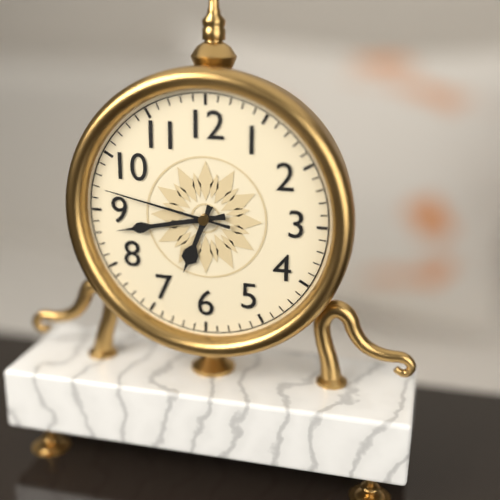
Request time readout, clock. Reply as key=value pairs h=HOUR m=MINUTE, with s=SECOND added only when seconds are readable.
h=6 m=43 s=47
